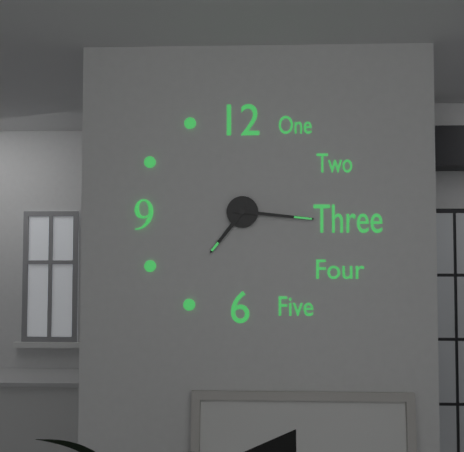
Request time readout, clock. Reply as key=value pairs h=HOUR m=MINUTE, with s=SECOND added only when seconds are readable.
h=7 m=16
